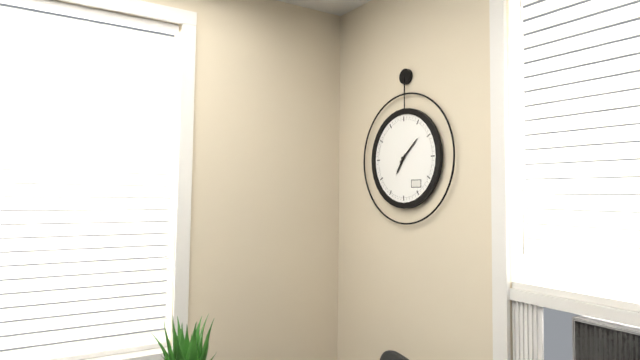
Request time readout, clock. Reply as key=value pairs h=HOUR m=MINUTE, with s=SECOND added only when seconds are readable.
h=7 m=8
